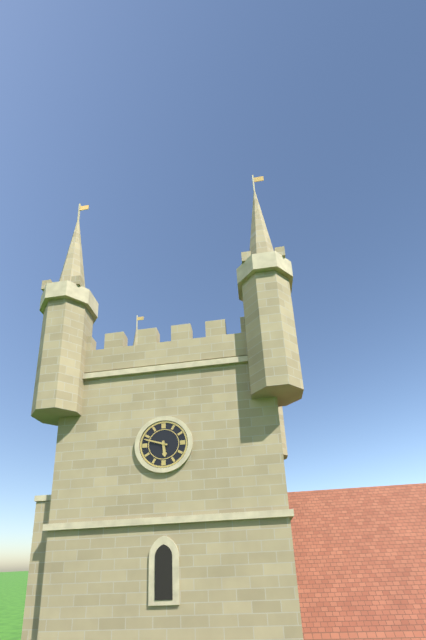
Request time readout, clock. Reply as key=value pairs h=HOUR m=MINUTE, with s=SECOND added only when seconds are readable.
h=5 m=48
